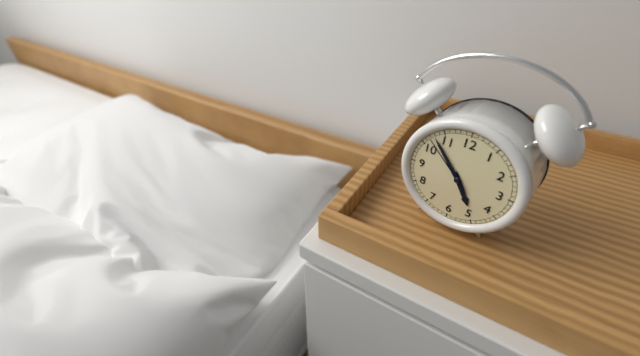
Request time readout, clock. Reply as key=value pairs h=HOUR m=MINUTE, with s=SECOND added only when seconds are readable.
h=4 m=53 s=52
